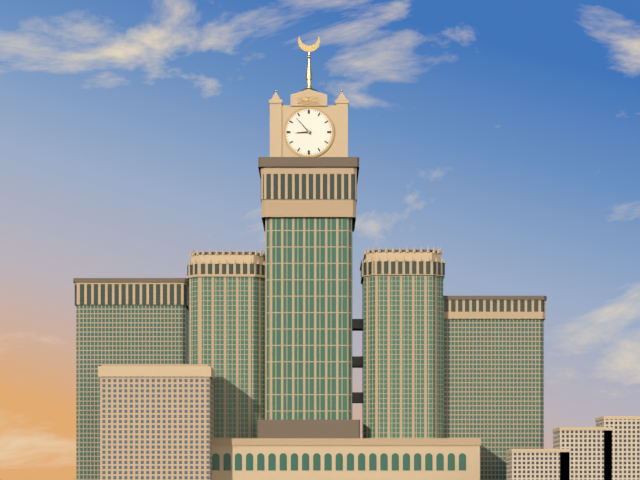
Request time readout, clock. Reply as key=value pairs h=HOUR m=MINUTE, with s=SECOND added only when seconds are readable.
h=8 m=53
